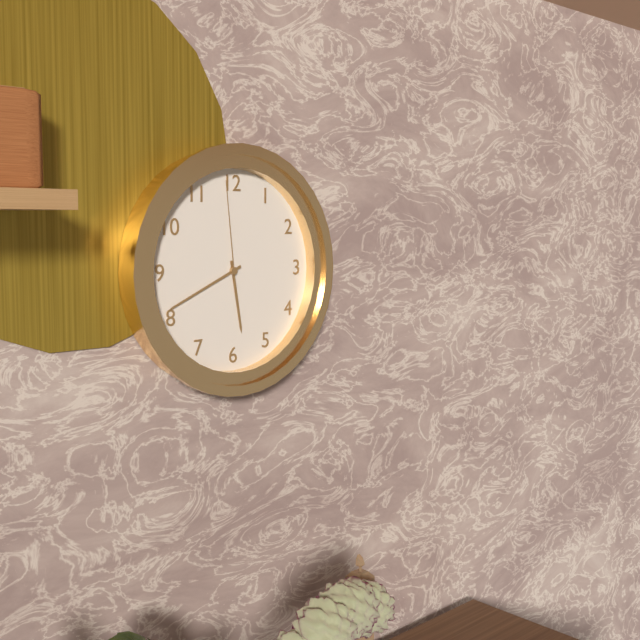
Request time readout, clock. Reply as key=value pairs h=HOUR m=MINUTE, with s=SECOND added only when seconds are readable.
h=5 m=41 s=59
